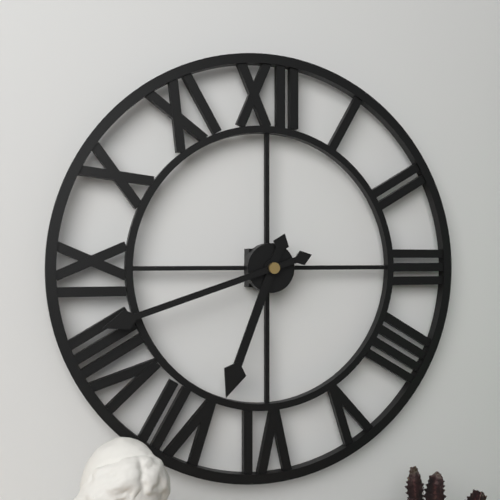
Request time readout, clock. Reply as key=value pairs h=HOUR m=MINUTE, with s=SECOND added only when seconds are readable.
h=6 m=42
